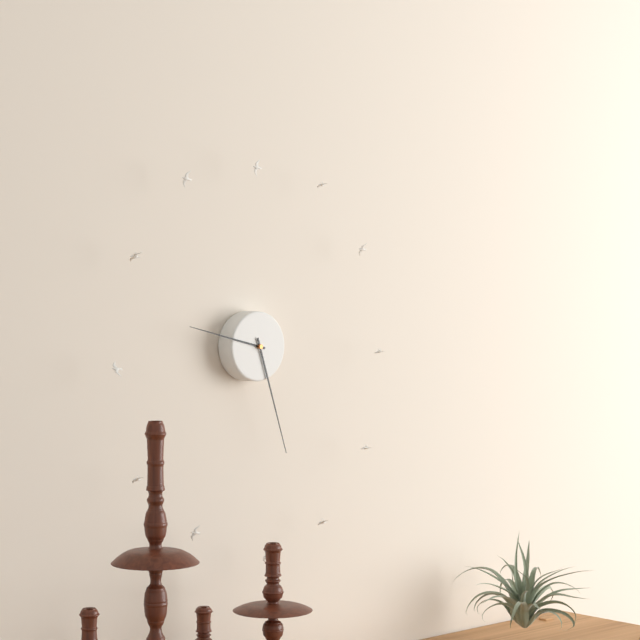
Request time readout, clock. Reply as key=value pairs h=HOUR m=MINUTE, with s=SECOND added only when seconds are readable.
h=9 m=27
